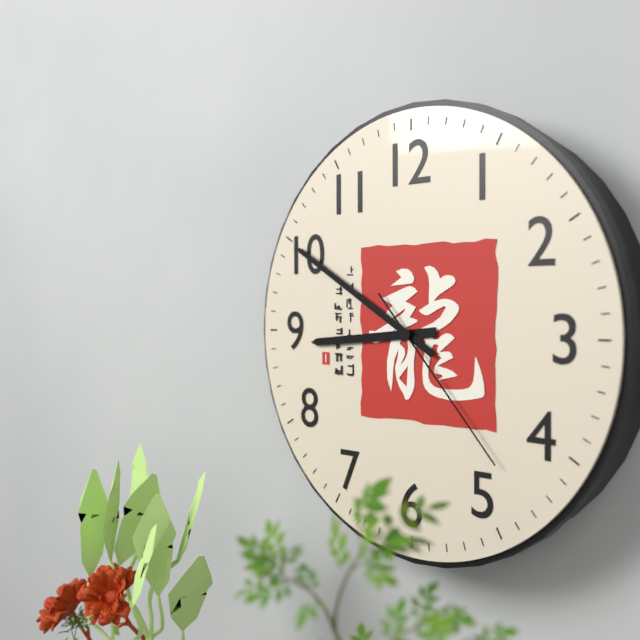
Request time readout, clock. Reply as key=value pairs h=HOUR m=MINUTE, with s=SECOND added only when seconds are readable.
h=8 m=50 s=23
